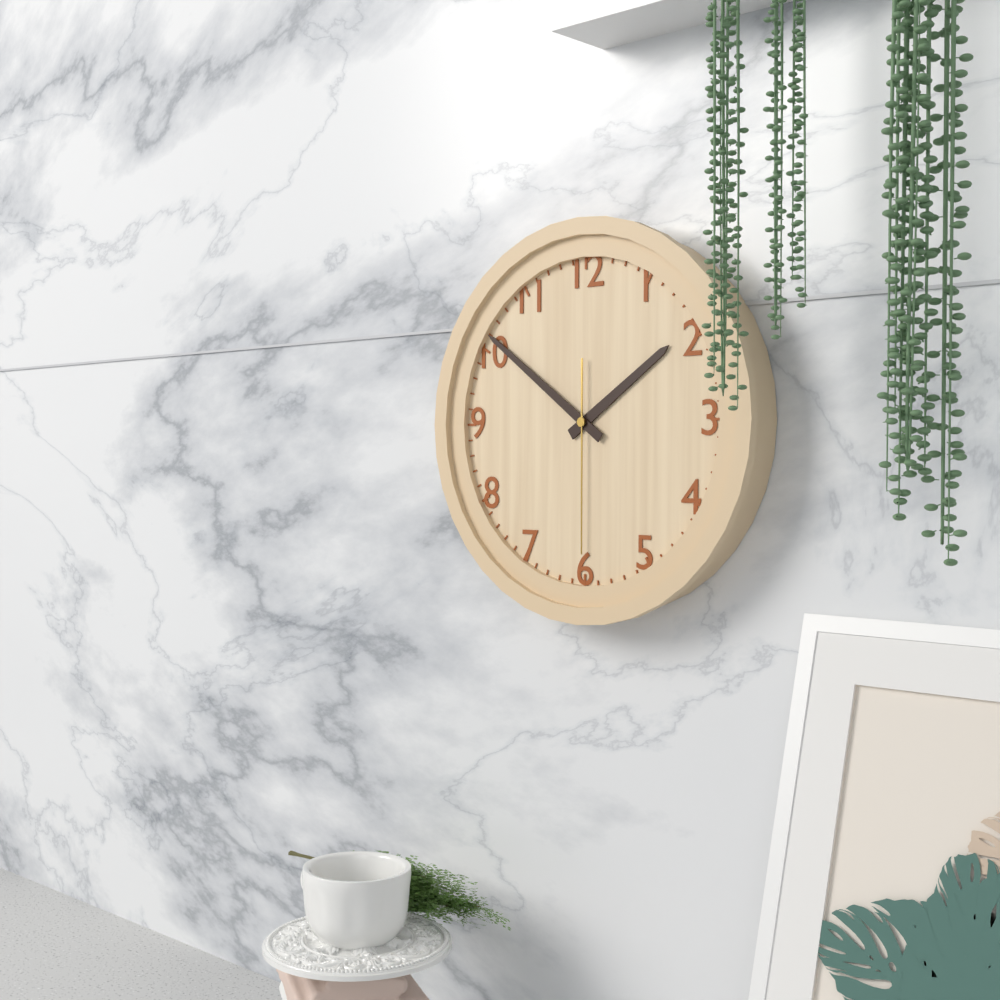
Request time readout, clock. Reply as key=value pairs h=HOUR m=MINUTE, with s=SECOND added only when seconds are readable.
h=1 m=51 s=30
